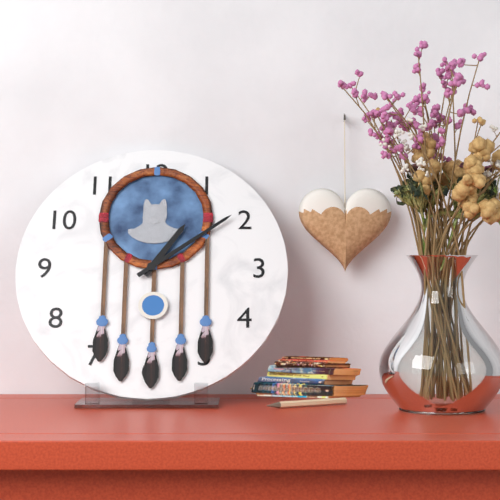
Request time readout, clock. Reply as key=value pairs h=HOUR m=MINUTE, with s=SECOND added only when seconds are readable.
h=1 m=9
